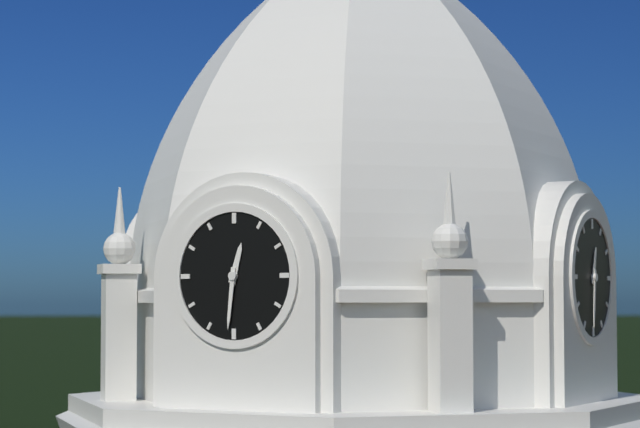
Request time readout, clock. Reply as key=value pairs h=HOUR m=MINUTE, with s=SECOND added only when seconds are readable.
h=12 m=31
